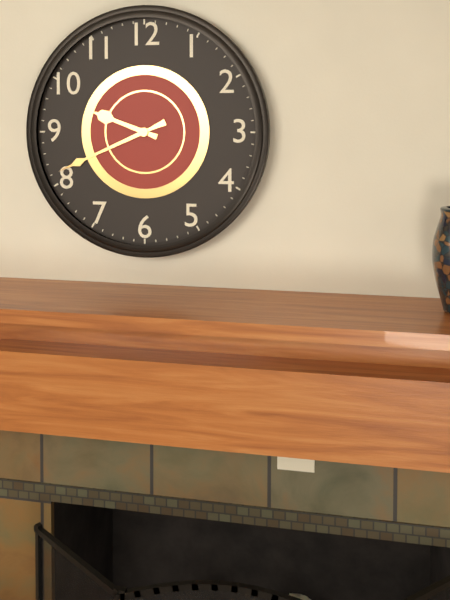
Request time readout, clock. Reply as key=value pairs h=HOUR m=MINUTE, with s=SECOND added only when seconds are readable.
h=9 m=41
